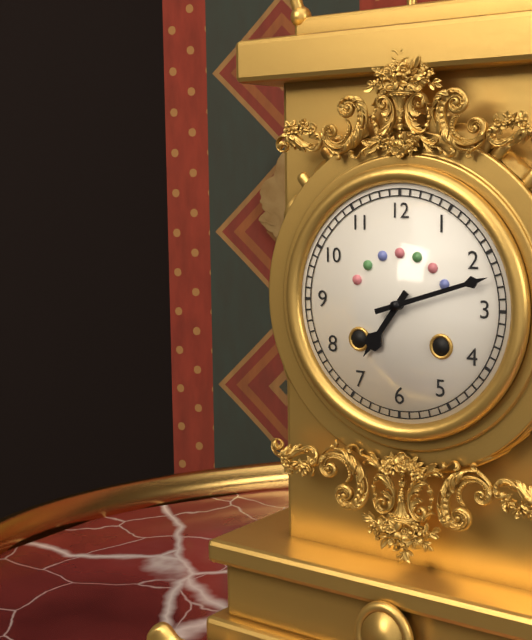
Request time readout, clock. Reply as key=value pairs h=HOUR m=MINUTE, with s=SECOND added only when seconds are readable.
h=7 m=12
